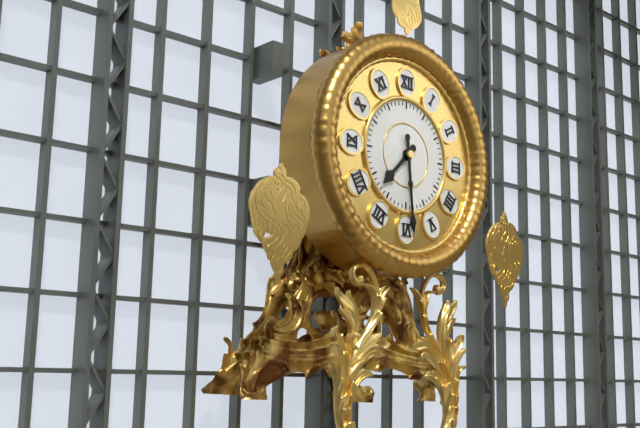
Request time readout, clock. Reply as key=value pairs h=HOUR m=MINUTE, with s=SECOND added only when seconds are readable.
h=7 m=29
